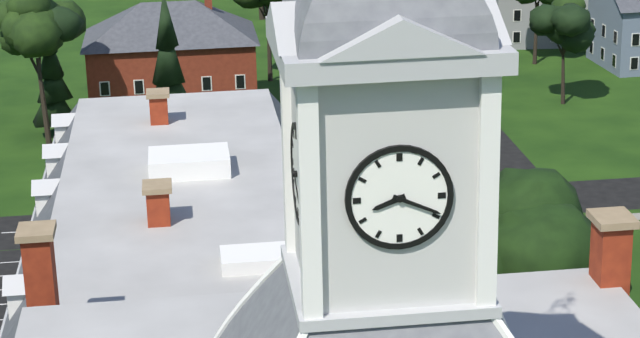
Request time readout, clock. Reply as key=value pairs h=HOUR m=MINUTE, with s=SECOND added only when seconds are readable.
h=8 m=19
